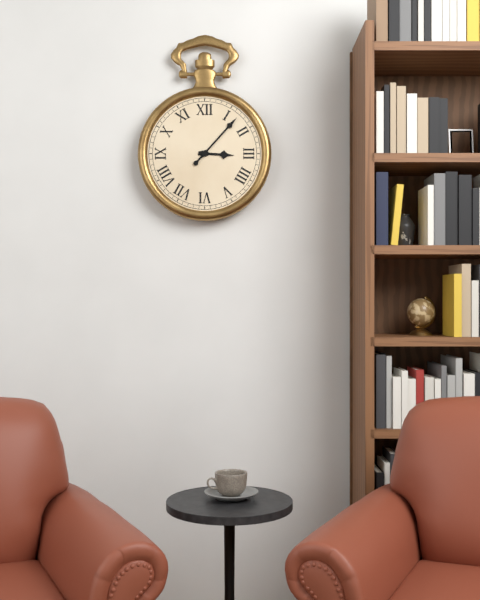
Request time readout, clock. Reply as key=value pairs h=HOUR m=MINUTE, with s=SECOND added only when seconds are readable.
h=3 m=7
